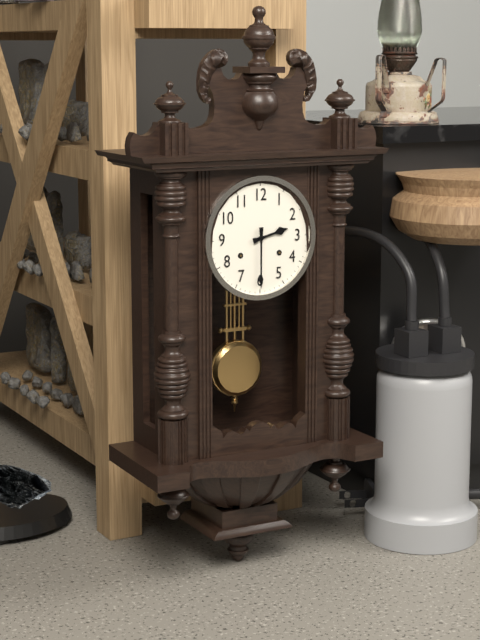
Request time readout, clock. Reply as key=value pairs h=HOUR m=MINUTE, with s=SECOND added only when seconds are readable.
h=2 m=30
